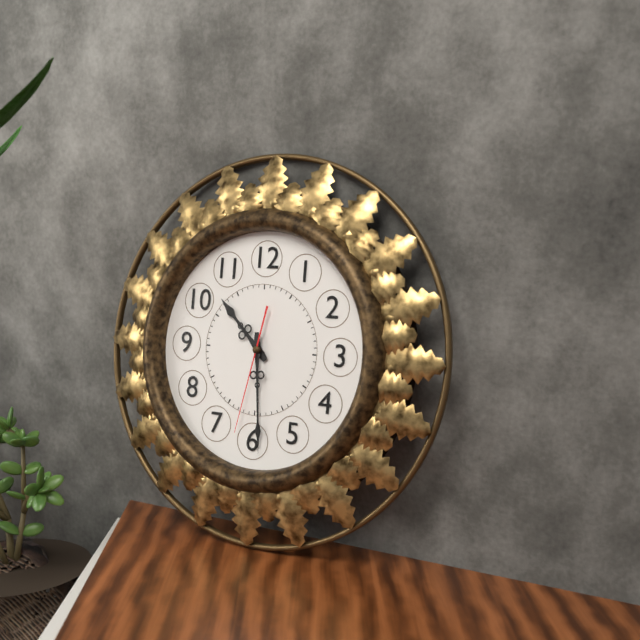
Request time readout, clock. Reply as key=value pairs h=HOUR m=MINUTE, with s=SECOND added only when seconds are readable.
h=10 m=29 s=32
